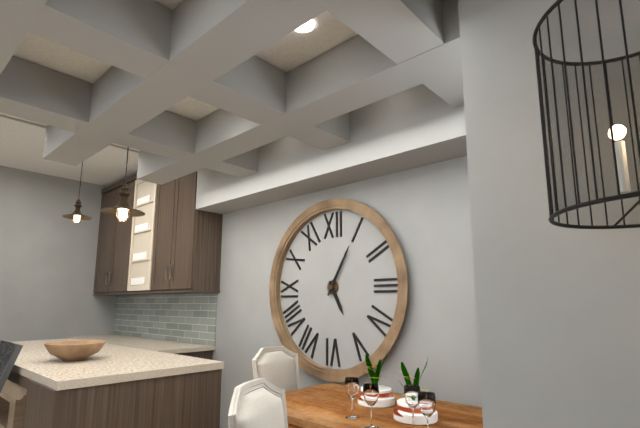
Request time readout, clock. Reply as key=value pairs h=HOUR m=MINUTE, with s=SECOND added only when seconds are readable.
h=5 m=5
